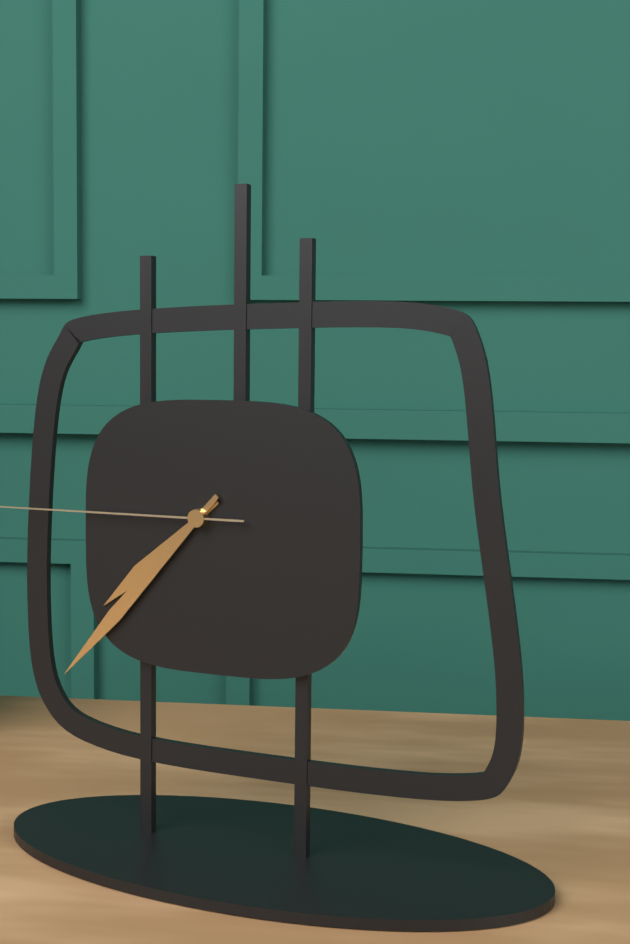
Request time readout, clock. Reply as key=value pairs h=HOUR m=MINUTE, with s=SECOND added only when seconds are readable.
h=7 m=37
